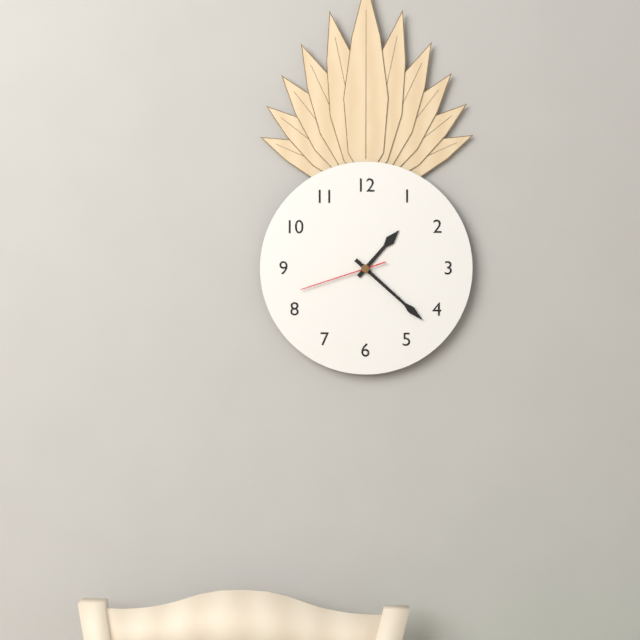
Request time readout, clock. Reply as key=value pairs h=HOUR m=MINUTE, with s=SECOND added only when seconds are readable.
h=1 m=22 s=42
